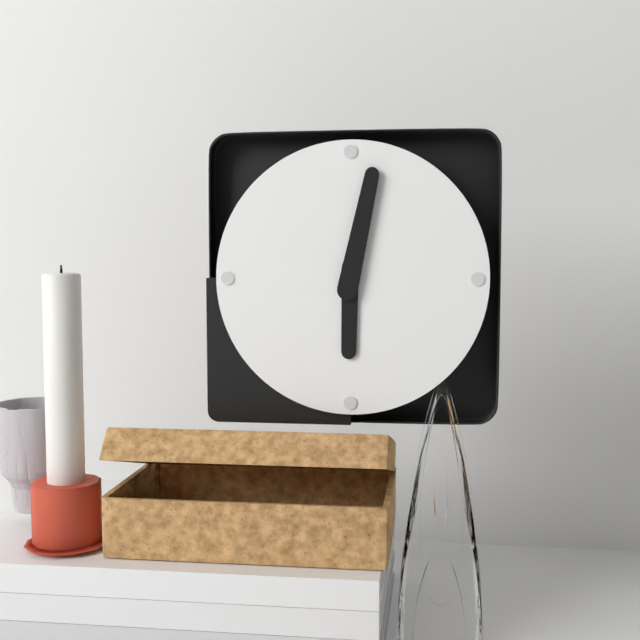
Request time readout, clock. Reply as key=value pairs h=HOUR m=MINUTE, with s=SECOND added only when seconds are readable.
h=6 m=2
